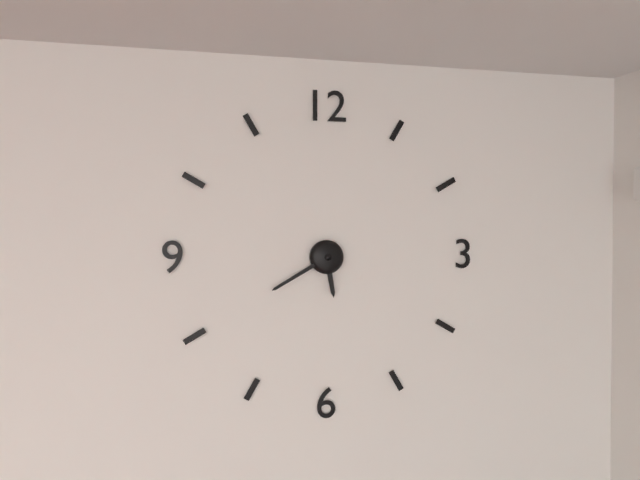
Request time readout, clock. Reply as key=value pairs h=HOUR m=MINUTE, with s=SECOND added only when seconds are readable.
h=5 m=40
